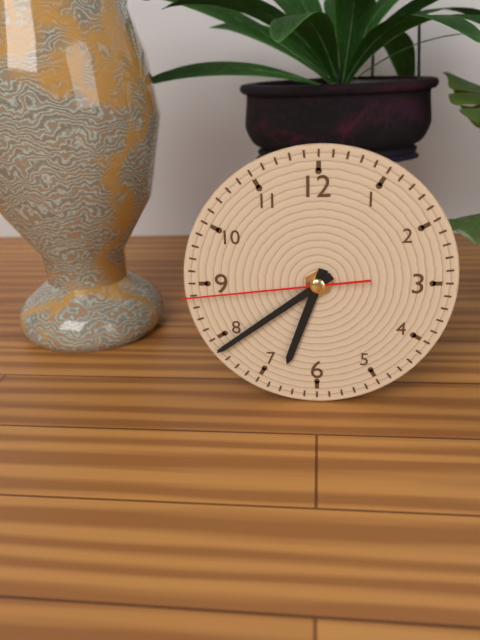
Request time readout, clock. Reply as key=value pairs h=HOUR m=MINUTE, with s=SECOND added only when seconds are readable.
h=6 m=39 s=44
